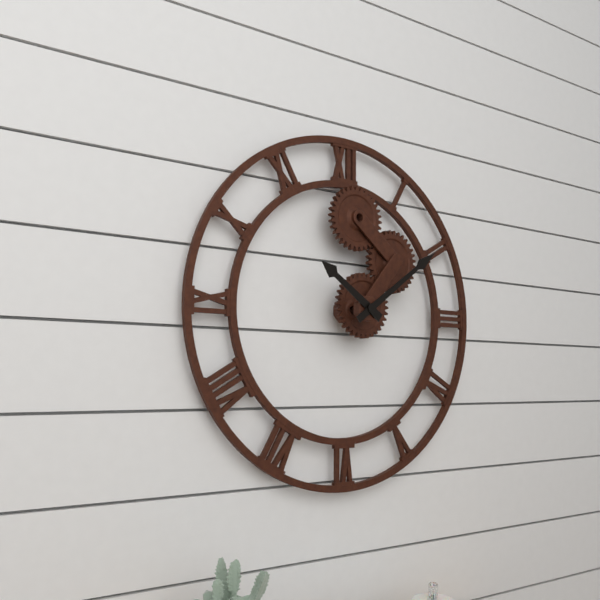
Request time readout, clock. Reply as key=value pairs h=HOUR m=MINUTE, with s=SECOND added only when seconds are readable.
h=10 m=9
